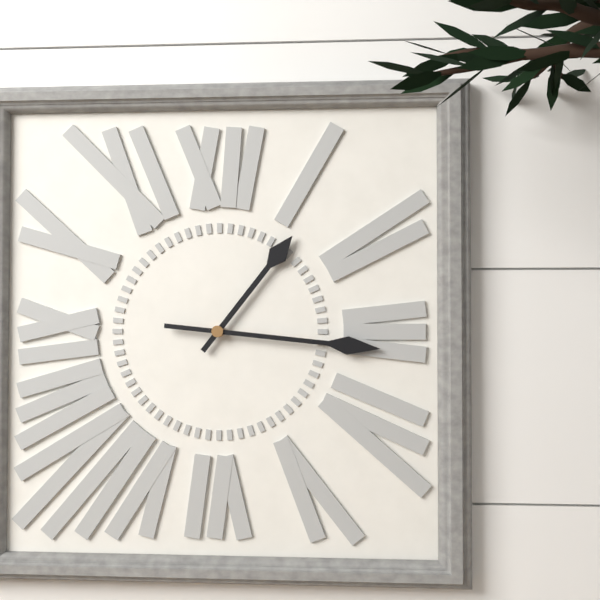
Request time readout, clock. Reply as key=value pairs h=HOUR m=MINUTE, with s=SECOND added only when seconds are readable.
h=1 m=16
